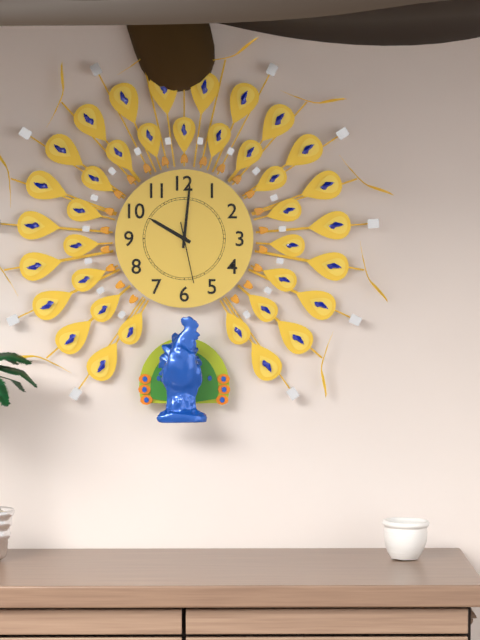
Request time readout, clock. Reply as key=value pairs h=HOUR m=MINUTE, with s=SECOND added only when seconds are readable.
h=10 m=1 s=28
